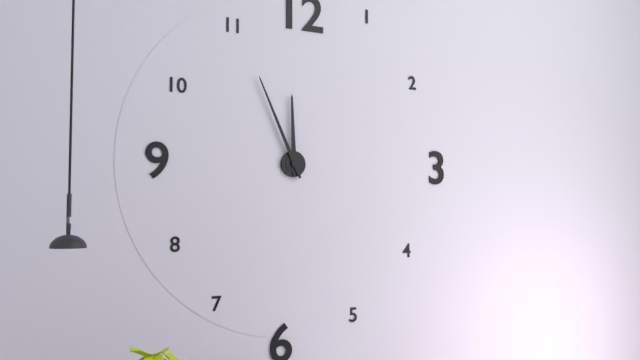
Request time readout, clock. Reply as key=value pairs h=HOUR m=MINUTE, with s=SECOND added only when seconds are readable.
h=11 m=56
